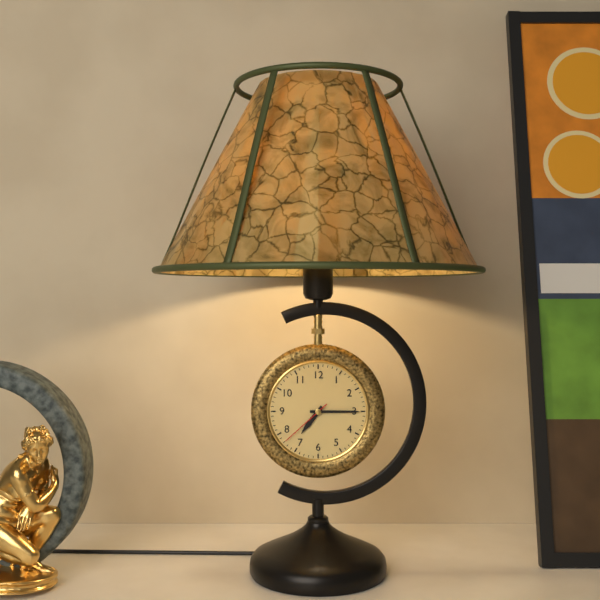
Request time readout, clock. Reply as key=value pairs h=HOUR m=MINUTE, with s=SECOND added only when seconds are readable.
h=7 m=15 s=38
